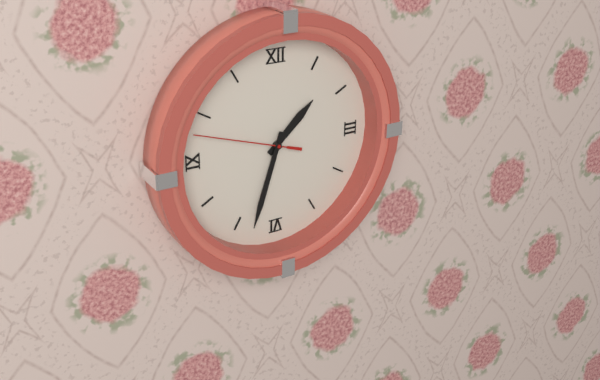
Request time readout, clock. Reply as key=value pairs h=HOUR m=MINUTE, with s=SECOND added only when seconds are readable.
h=1 m=33 s=48
